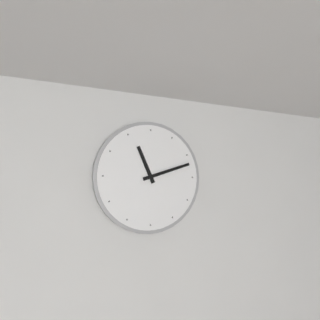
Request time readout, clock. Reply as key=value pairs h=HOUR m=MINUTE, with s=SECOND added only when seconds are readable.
h=11 m=12
